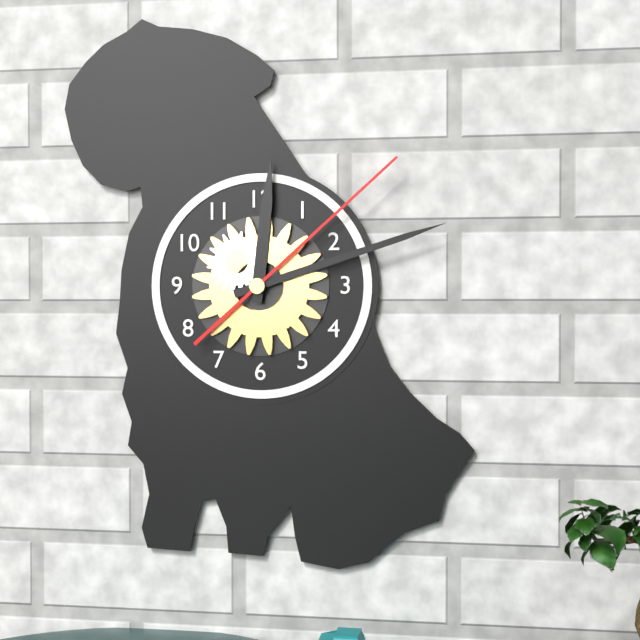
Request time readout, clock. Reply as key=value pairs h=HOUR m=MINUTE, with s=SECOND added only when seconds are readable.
h=12 m=12 s=8
